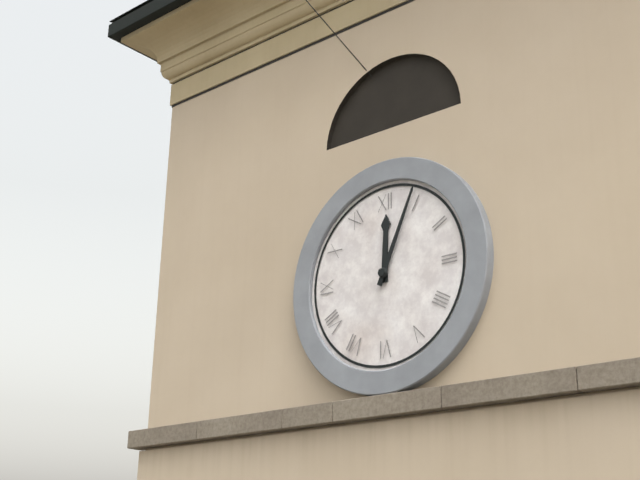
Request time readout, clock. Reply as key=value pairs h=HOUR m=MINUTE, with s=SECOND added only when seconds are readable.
h=12 m=4
